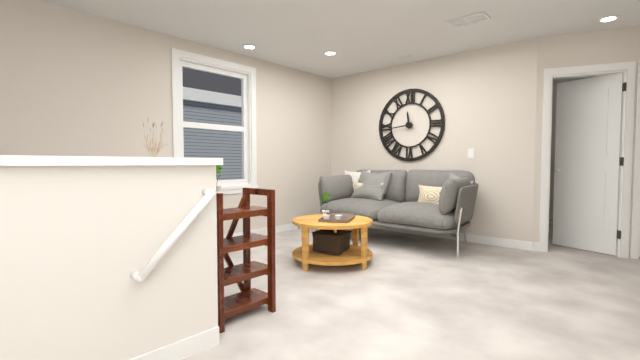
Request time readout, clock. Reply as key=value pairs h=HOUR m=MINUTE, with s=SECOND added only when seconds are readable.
h=11 m=44
